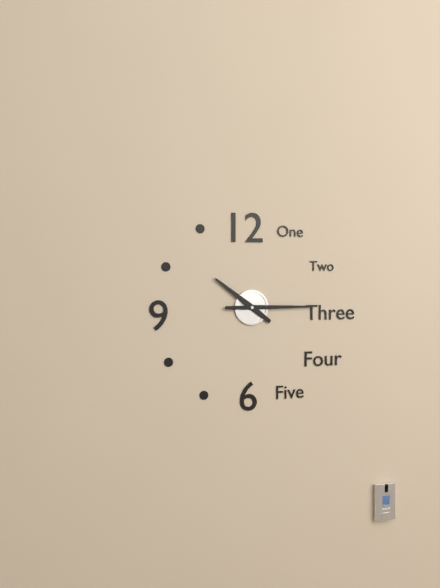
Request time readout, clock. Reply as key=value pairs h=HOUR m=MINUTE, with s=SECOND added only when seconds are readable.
h=10 m=15
